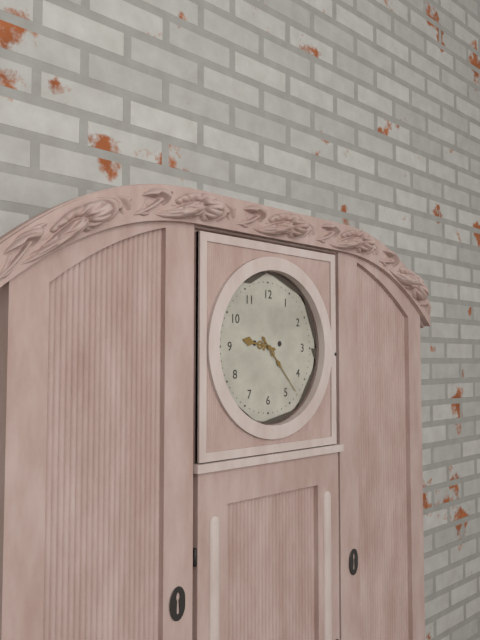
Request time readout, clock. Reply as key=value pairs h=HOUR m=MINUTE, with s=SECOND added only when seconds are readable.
h=9 m=23
